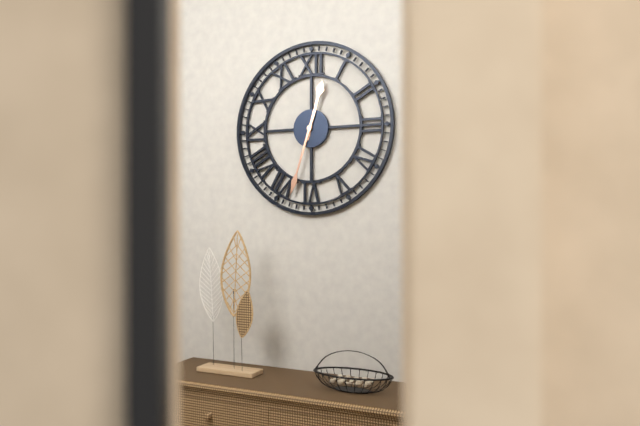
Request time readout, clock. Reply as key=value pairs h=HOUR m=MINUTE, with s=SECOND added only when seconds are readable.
h=12 m=33
